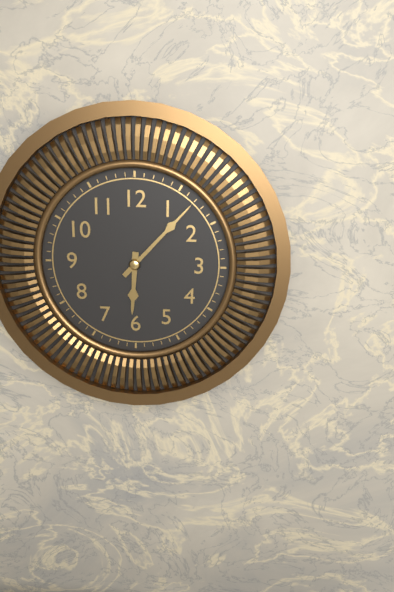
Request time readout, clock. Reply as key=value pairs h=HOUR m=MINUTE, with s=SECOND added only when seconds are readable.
h=6 m=7
